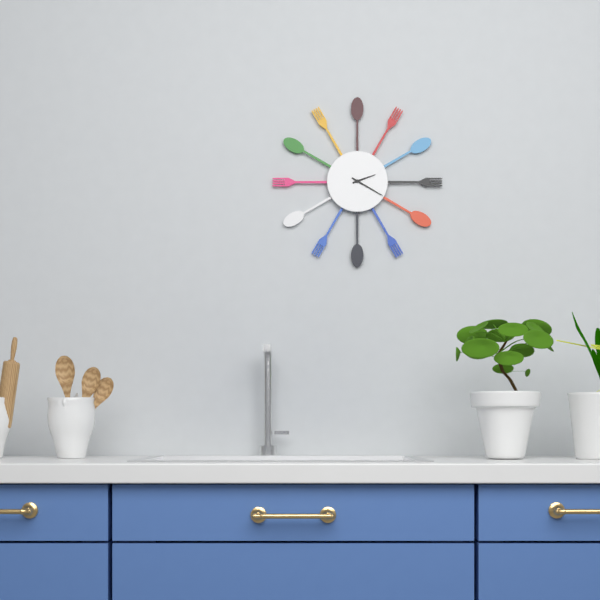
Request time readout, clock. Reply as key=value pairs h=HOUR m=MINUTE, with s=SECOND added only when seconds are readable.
h=2 m=20
